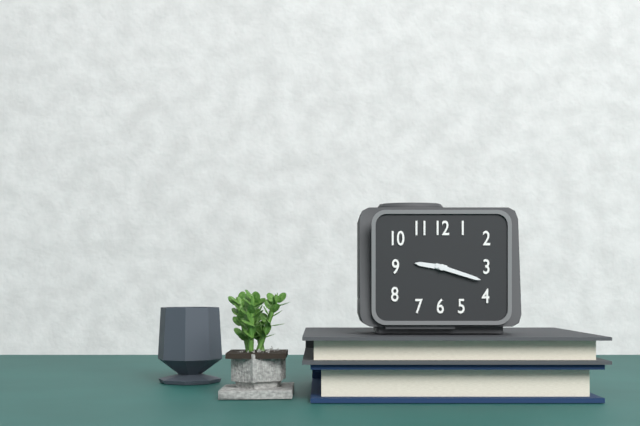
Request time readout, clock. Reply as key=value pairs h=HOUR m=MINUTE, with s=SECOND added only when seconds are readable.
h=9 m=18
